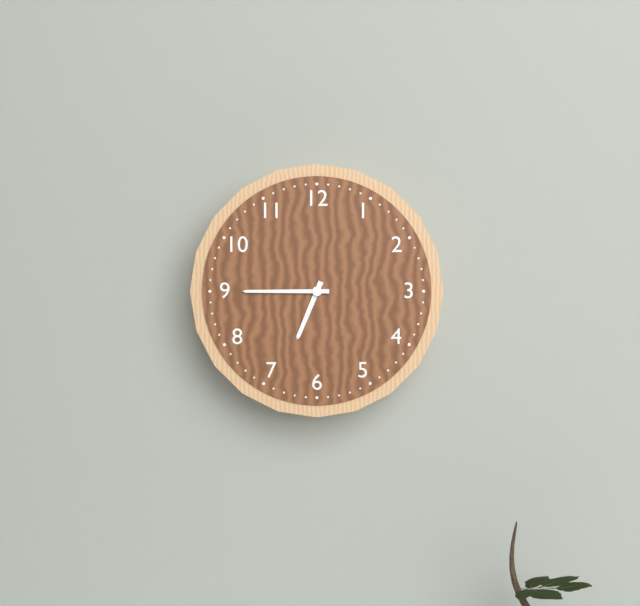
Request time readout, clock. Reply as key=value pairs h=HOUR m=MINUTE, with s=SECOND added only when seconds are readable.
h=6 m=45
